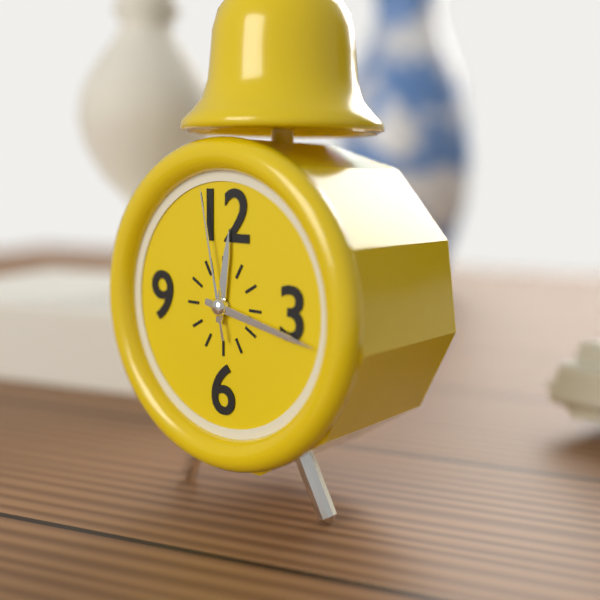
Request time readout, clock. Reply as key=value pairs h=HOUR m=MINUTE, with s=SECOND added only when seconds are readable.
h=12 m=17 s=58
